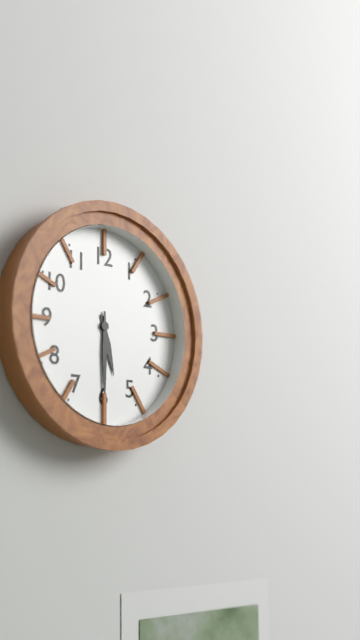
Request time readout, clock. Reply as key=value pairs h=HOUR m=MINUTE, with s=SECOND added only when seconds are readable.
h=5 m=30
